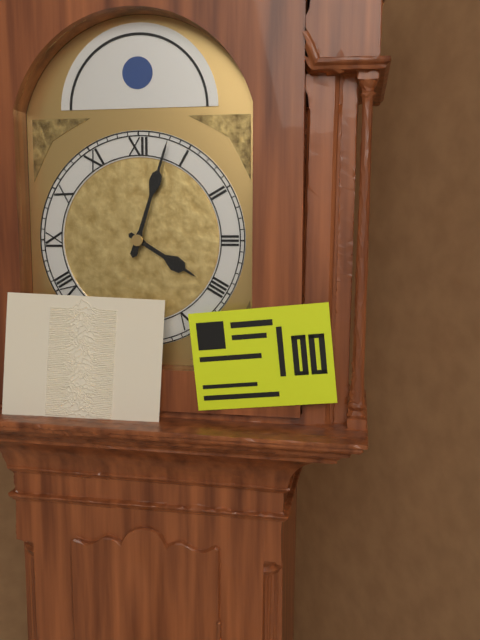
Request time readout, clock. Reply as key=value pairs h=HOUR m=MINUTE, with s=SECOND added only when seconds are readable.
h=4 m=3
